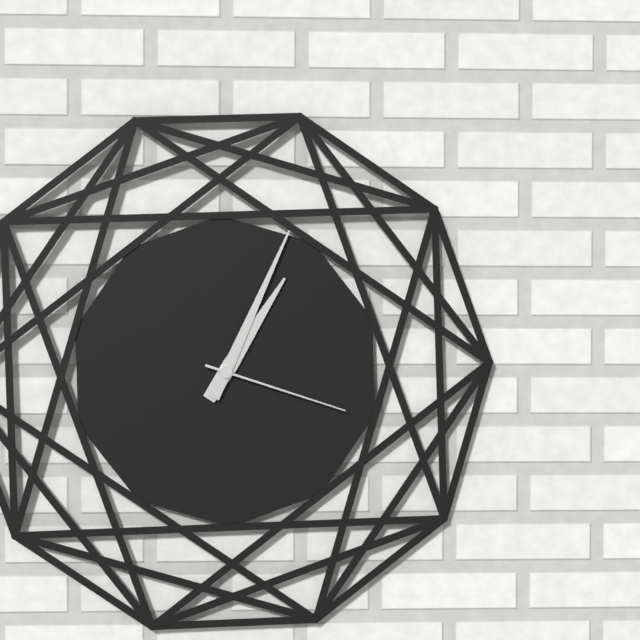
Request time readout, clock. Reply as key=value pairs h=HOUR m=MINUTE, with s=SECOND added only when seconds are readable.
h=1 m=4 s=18
